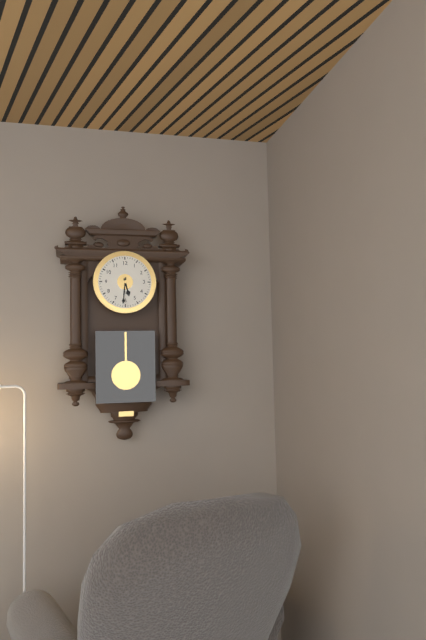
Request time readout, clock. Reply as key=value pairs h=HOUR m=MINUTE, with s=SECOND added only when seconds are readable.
h=5 m=31
